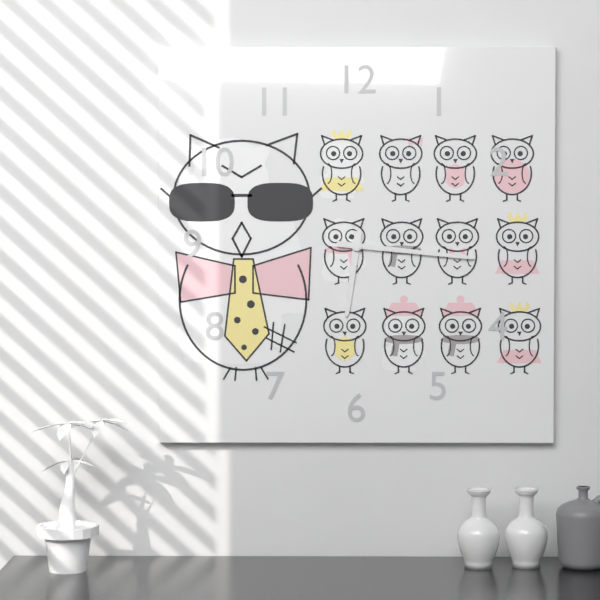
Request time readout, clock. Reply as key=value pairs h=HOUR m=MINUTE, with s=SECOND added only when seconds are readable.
h=6 m=16
